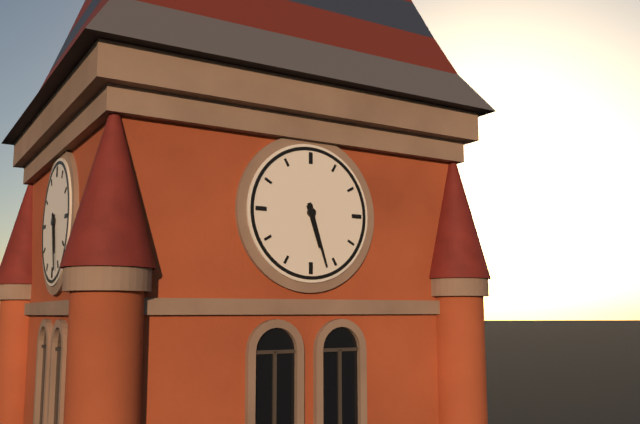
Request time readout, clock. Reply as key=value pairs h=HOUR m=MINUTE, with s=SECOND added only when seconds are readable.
h=5 m=27
